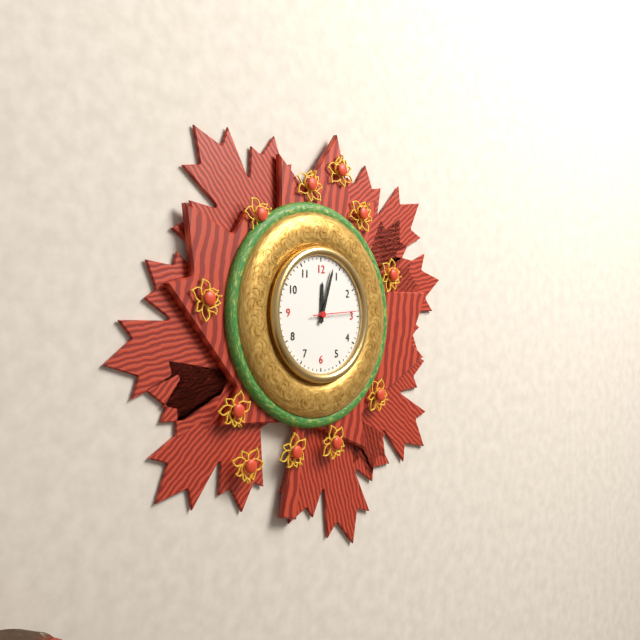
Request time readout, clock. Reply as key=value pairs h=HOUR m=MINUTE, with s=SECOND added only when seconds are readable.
h=12 m=3
